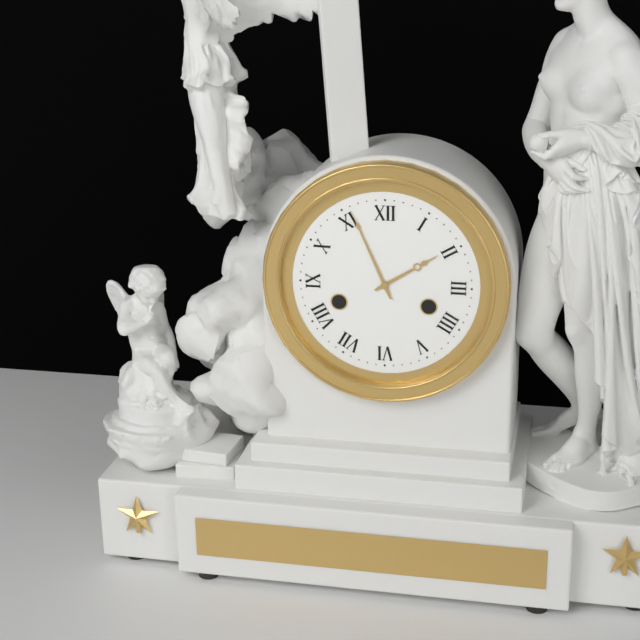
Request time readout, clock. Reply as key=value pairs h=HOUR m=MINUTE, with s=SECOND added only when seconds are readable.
h=1 m=56
